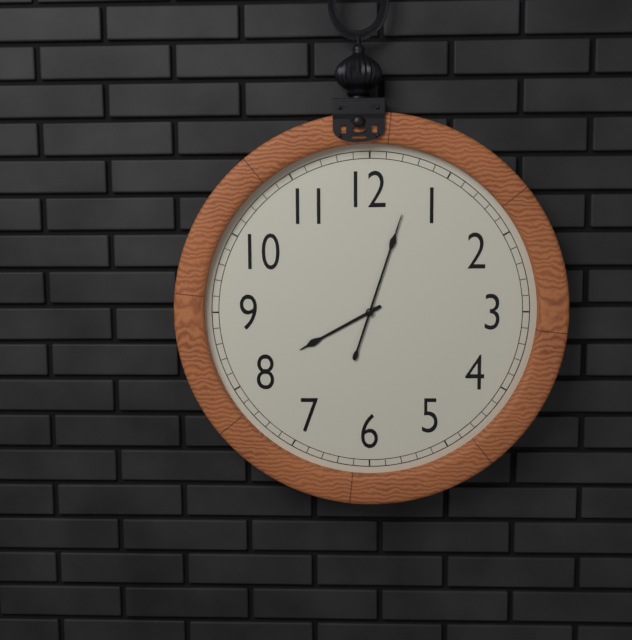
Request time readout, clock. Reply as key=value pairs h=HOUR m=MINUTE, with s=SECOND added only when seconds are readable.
h=8 m=3
